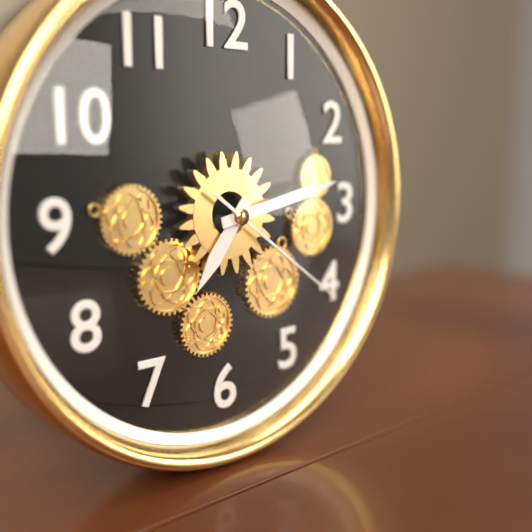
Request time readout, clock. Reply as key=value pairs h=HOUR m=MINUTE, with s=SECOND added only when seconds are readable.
h=7 m=13 s=21
